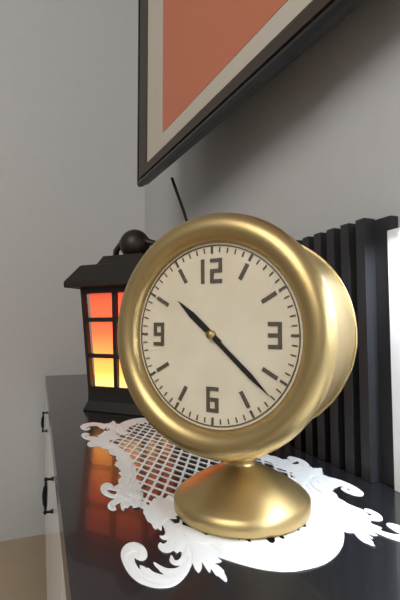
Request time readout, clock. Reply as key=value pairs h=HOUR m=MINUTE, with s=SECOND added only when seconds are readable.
h=10 m=22
